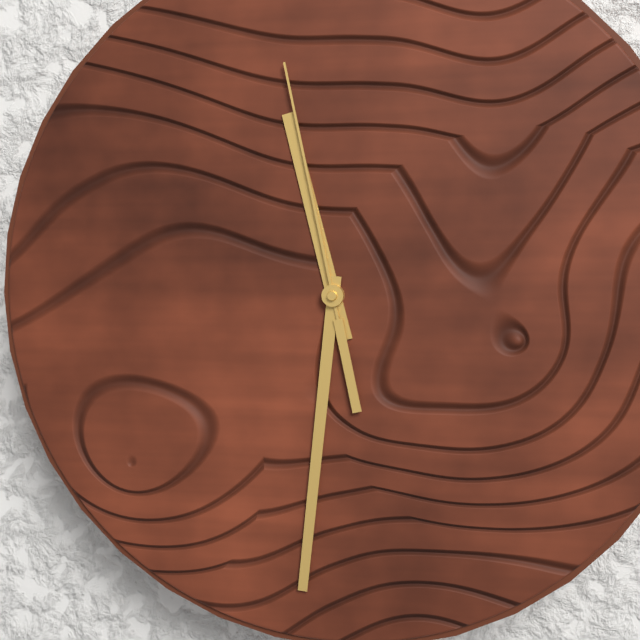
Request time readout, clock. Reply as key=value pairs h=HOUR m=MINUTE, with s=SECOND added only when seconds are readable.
h=11 m=31 s=58
